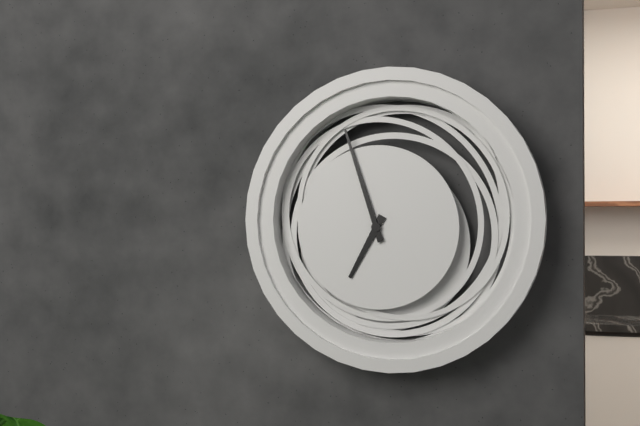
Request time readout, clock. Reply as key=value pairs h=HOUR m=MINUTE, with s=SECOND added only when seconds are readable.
h=6 m=57
